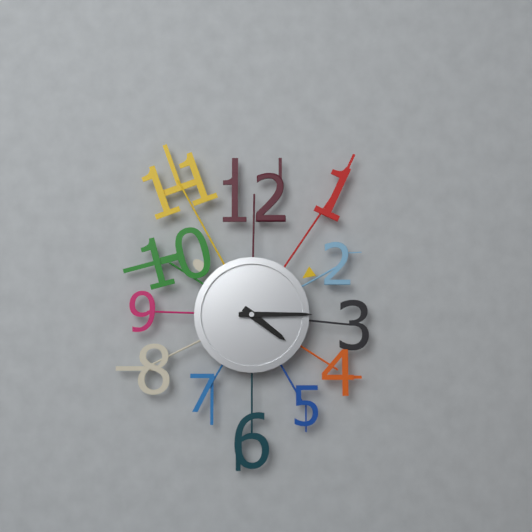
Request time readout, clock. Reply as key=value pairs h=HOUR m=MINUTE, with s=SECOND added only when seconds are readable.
h=4 m=15
